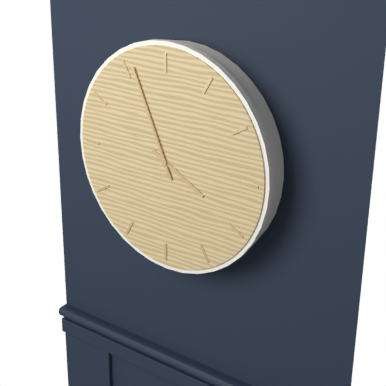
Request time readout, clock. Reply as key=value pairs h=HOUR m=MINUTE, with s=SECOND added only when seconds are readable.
h=3 m=56
